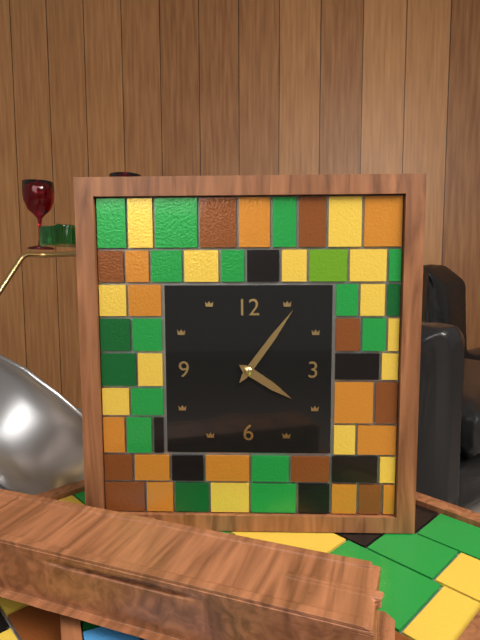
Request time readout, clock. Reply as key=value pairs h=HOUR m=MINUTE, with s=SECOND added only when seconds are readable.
h=4 m=6
